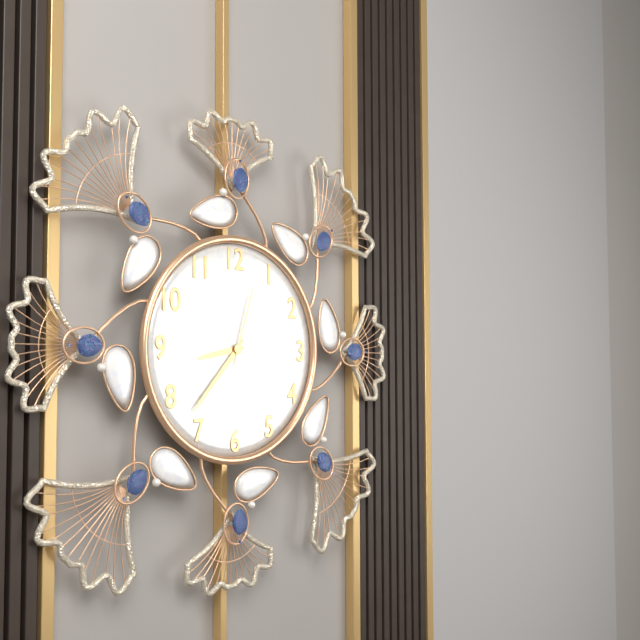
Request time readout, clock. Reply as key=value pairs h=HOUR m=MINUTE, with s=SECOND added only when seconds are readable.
h=8 m=37 s=3
